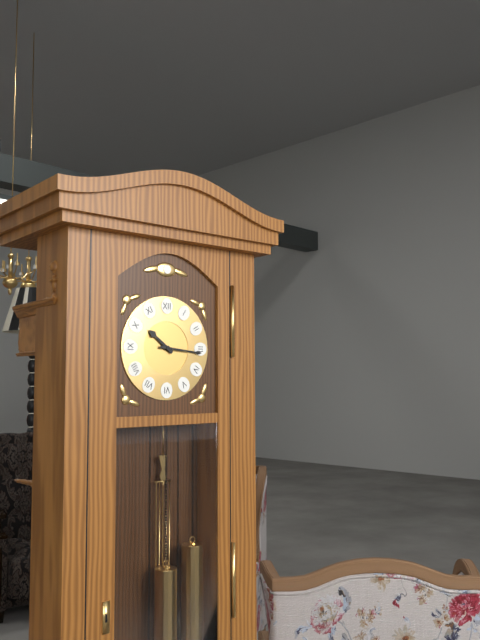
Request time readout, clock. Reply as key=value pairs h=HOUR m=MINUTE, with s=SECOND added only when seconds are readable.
h=10 m=16
